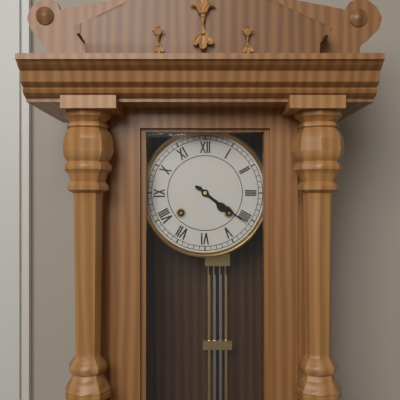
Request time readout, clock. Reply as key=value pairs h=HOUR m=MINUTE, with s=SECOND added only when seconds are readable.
h=4 m=21
